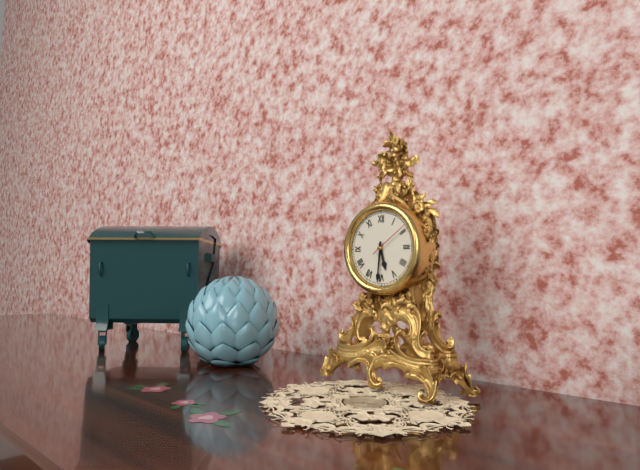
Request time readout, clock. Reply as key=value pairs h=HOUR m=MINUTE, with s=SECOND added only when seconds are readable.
h=5 m=31
